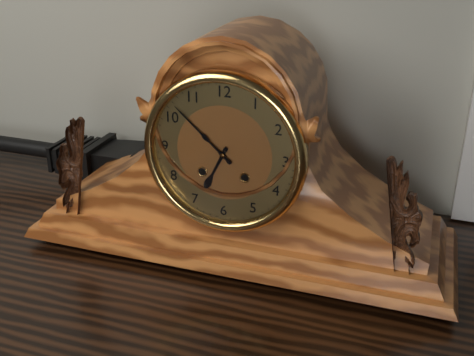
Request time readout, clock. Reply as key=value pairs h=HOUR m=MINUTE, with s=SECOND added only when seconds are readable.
h=6 m=52
